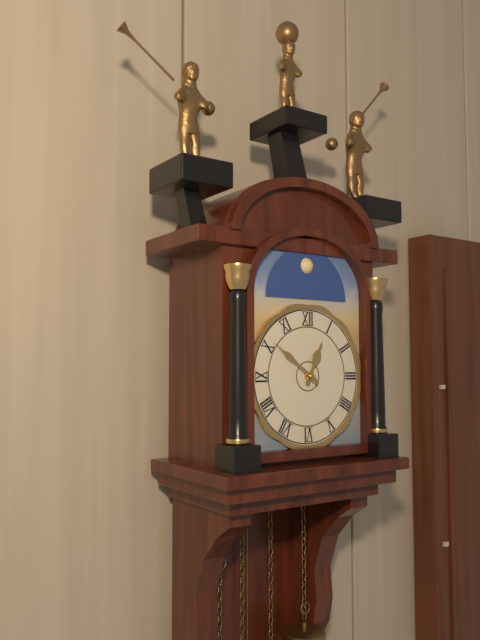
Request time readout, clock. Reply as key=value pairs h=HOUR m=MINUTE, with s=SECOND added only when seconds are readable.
h=12 m=51
